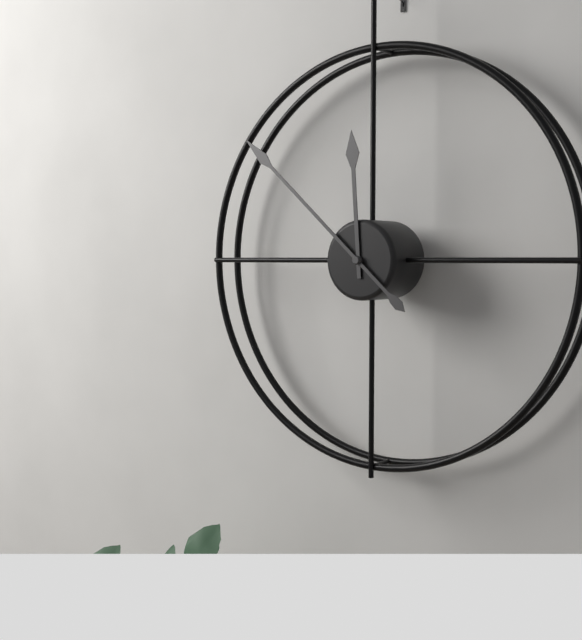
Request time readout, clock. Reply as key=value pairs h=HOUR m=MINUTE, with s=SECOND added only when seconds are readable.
h=11 m=52
